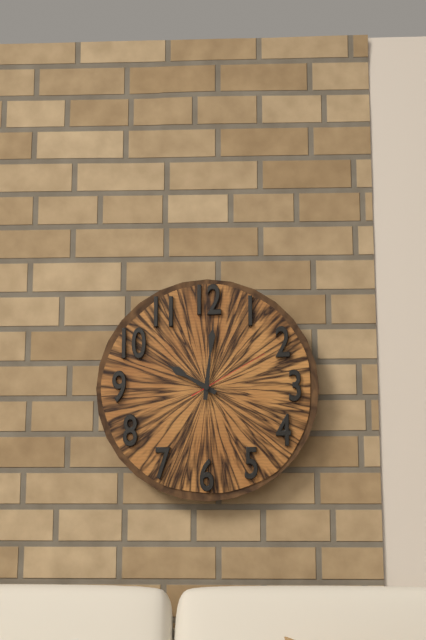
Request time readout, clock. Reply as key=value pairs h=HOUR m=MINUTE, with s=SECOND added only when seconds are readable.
h=10 m=1 s=10
